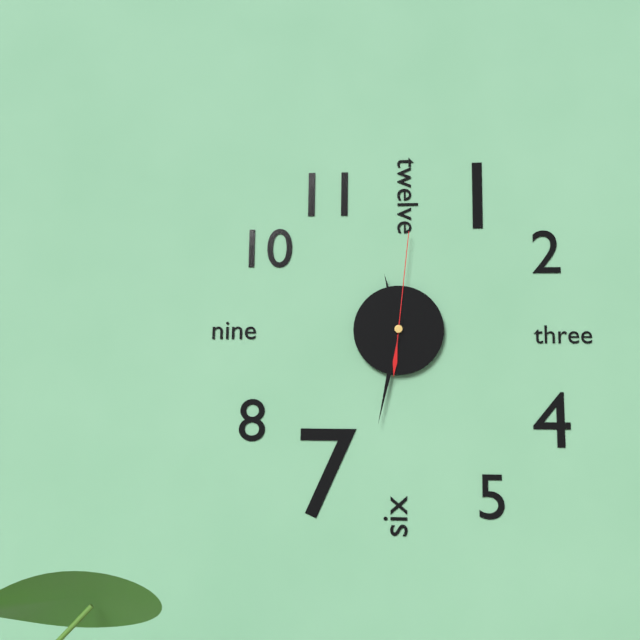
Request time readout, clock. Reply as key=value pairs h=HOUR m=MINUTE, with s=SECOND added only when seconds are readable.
h=11 m=32 s=1
